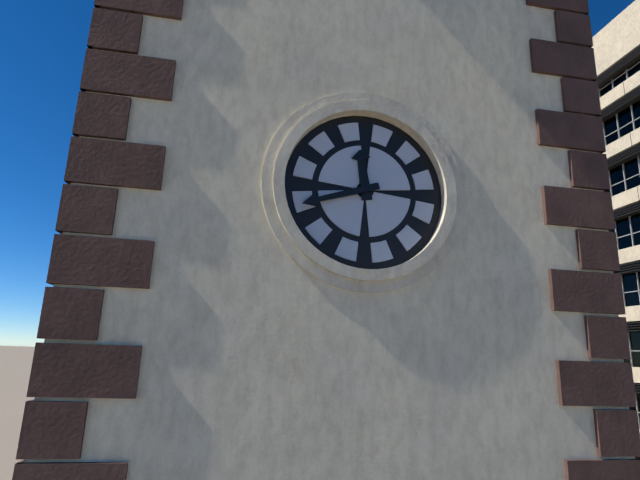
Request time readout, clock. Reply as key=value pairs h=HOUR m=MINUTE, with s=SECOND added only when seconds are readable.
h=11 m=42
